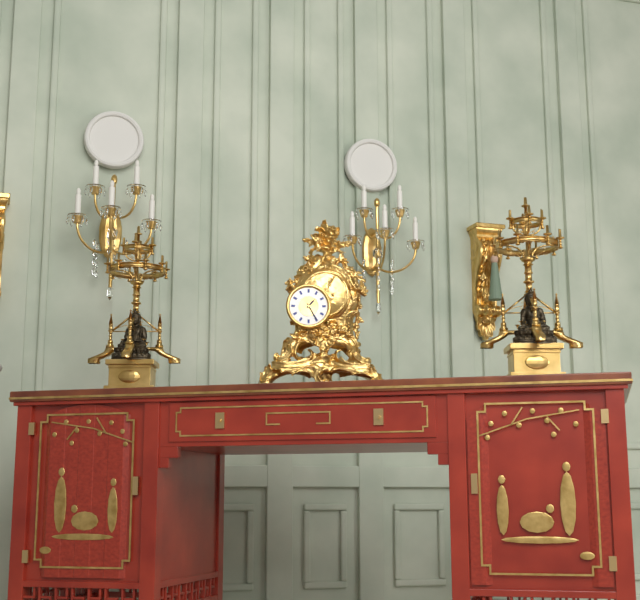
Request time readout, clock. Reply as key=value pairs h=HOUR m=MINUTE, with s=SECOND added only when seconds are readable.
h=1 m=25
